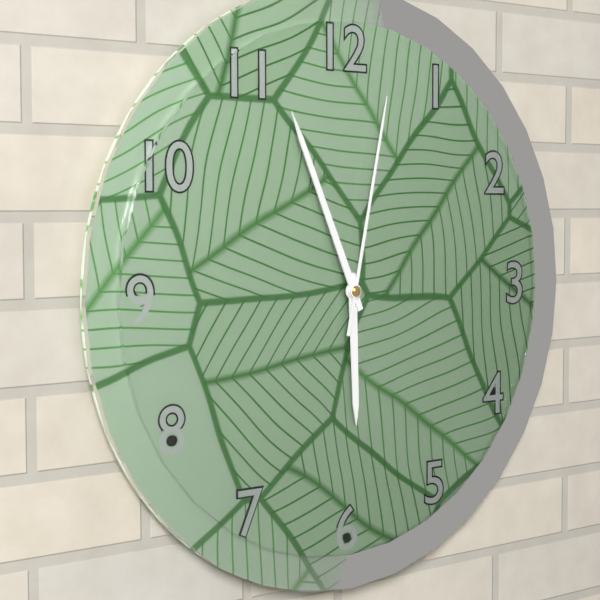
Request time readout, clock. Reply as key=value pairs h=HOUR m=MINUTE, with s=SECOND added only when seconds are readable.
h=5 m=56 s=2
